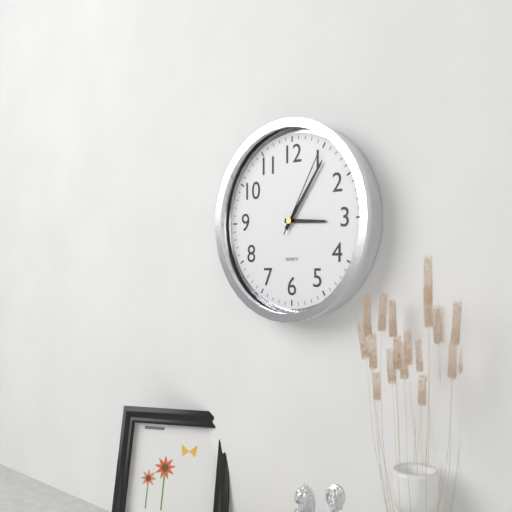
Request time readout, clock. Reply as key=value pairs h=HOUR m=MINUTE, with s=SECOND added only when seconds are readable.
h=3 m=6 s=5
